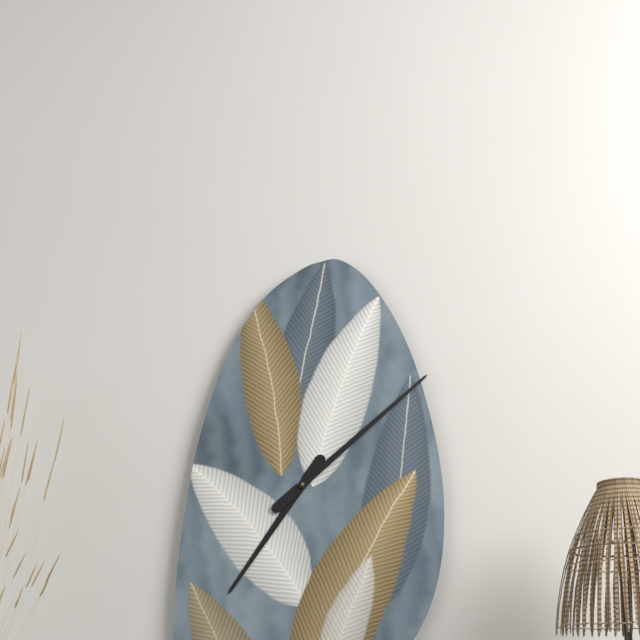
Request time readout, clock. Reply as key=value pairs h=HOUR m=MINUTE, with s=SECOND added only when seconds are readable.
h=7 m=8
